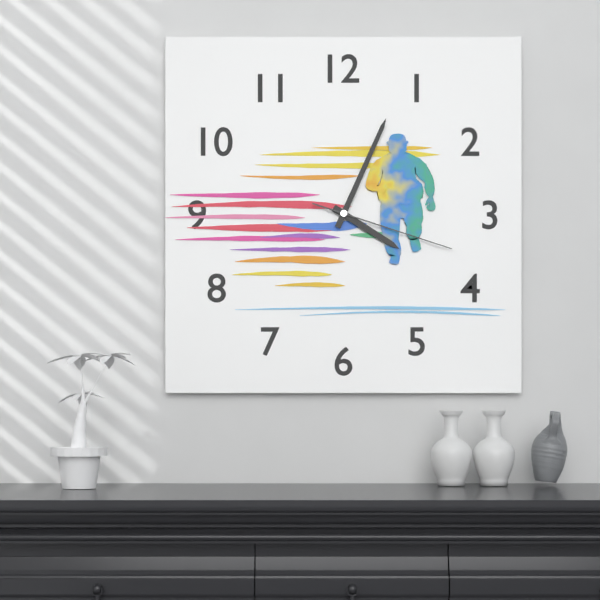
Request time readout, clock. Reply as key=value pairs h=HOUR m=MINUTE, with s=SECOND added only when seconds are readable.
h=4 m=4 s=18
